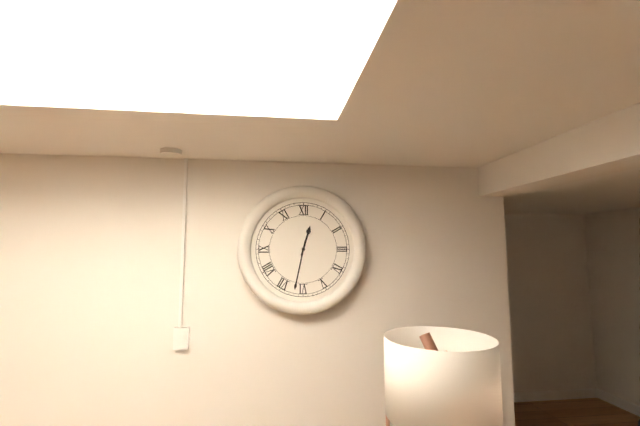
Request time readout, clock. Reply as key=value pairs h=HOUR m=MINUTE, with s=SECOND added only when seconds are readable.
h=12 m=32
